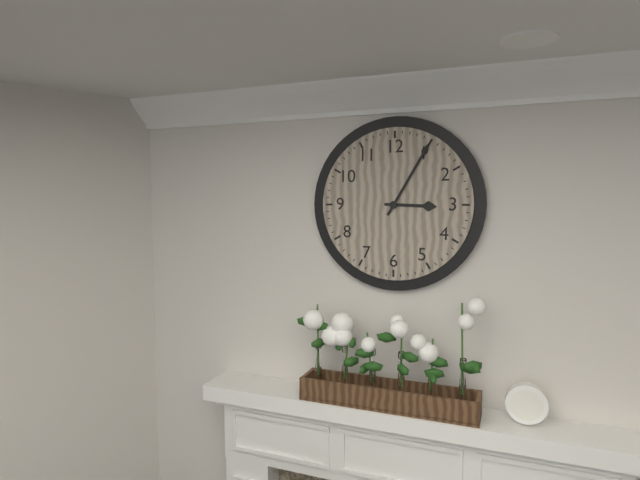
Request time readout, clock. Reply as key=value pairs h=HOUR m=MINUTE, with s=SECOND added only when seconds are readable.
h=3 m=5
